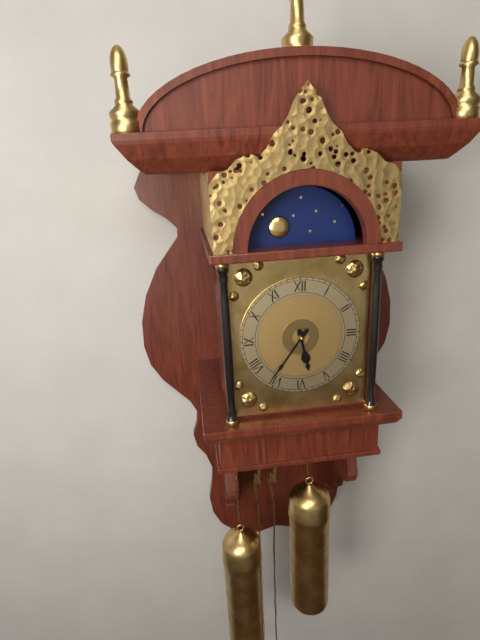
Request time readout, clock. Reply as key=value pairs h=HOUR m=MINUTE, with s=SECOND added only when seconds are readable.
h=5 m=36
